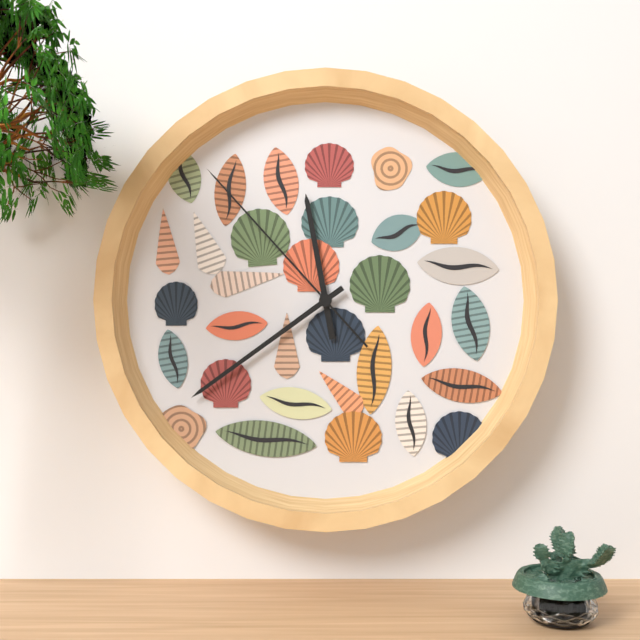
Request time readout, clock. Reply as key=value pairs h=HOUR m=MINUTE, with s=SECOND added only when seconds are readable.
h=11 m=39 s=53
